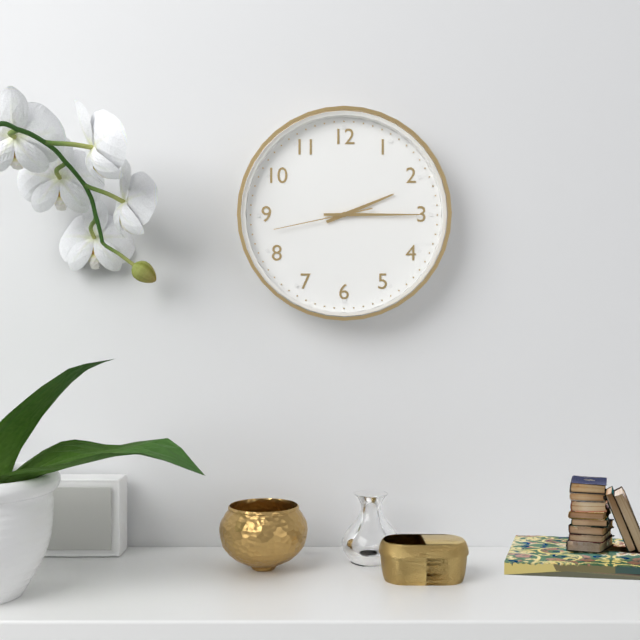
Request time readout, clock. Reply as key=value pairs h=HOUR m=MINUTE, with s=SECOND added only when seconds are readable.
h=2 m=15 s=43
